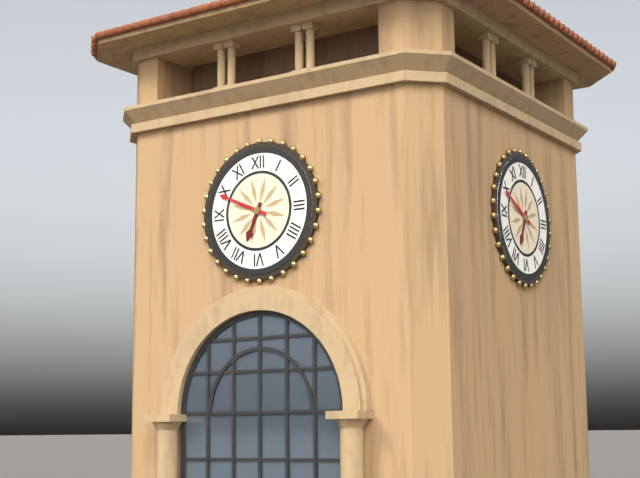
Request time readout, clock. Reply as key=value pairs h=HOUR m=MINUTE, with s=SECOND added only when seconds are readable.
h=6 m=49
